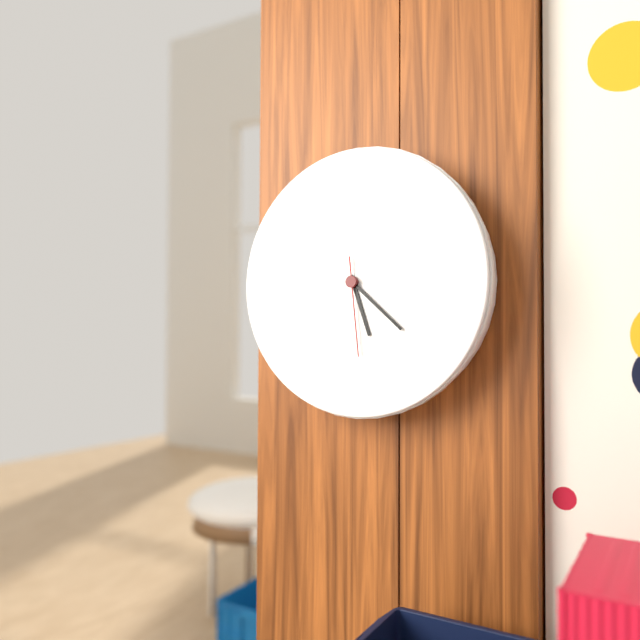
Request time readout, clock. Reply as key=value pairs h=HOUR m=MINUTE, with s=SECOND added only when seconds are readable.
h=5 m=22 s=29
